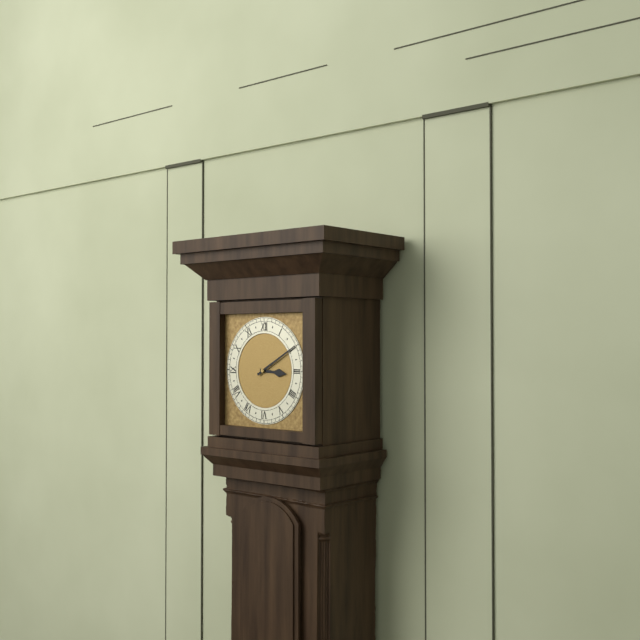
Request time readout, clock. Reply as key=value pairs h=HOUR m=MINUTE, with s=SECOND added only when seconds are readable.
h=3 m=10
